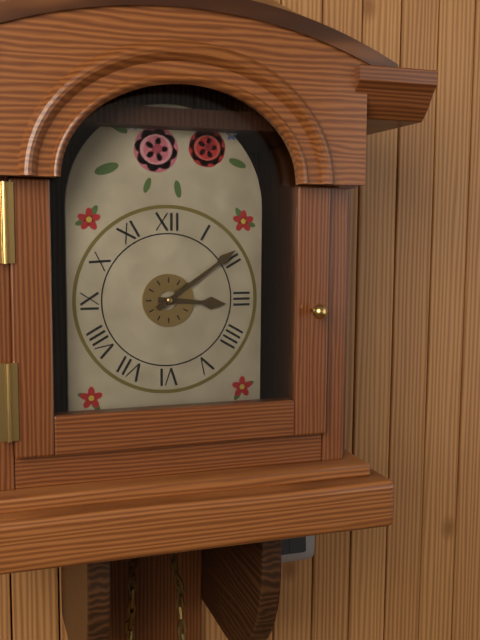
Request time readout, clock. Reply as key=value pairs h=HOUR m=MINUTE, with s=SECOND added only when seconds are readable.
h=3 m=9
